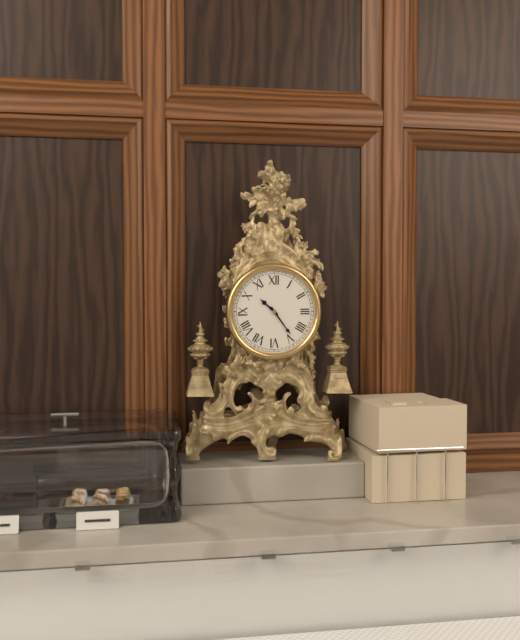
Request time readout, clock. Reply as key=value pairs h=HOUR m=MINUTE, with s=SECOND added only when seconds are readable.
h=10 m=24
